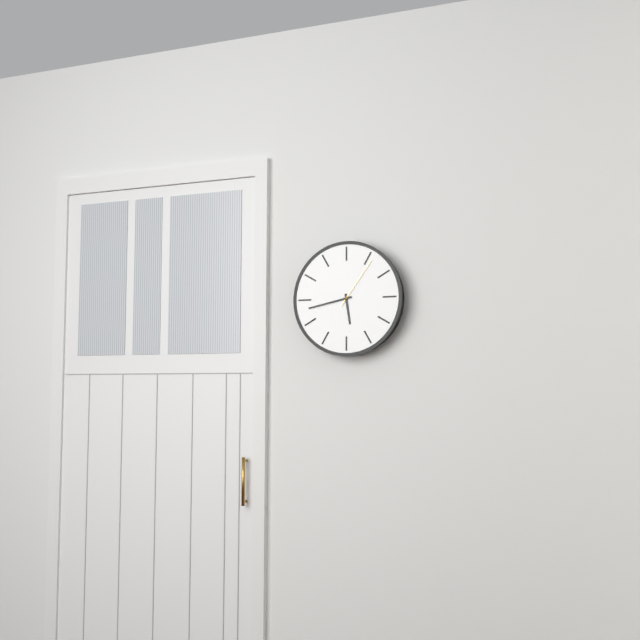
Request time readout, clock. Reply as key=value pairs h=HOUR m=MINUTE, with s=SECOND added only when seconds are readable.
h=5 m=43 s=6
